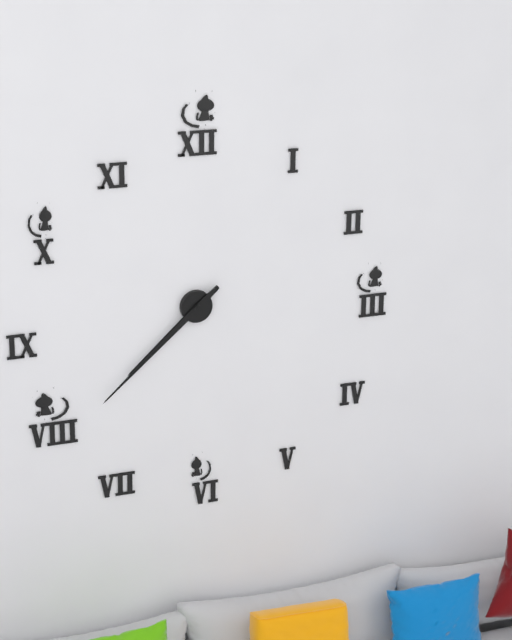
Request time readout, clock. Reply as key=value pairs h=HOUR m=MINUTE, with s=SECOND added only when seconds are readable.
h=7 m=38
